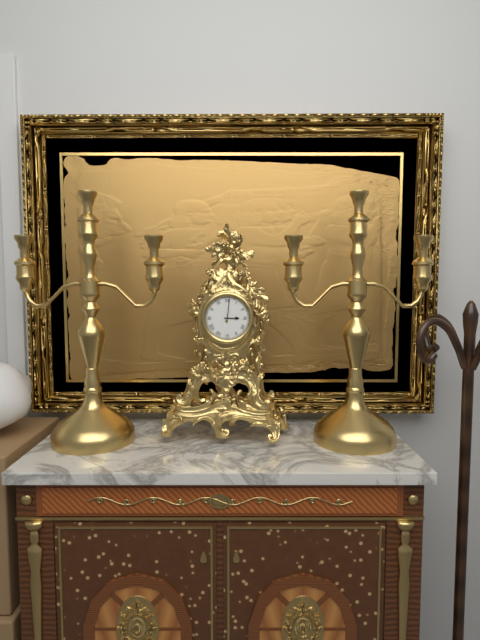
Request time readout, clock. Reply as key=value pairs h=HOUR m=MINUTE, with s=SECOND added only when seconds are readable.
h=3 m=1
